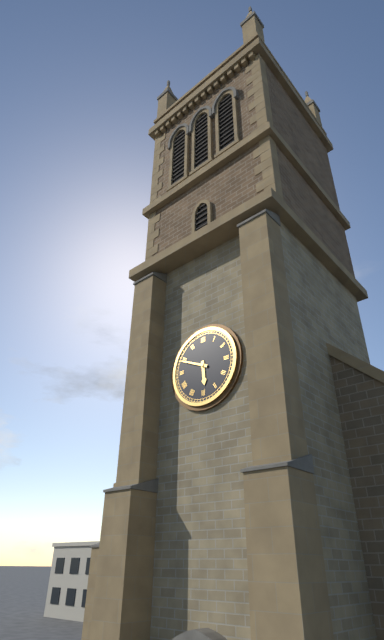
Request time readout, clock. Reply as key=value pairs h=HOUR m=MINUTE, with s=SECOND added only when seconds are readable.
h=5 m=49
